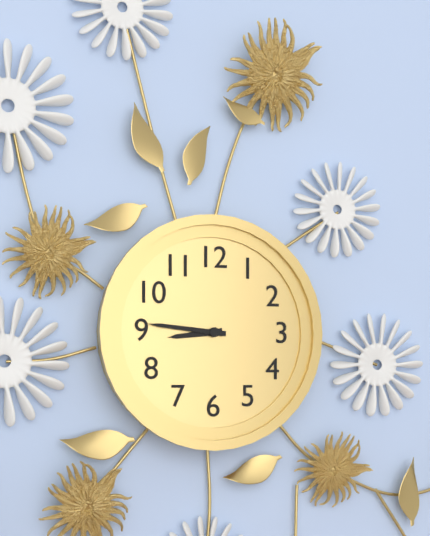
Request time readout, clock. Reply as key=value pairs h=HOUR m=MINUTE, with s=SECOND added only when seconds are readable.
h=8 m=46
